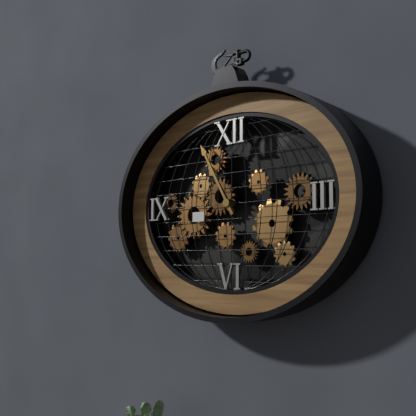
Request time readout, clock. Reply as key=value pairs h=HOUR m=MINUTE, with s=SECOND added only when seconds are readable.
h=10 m=55
